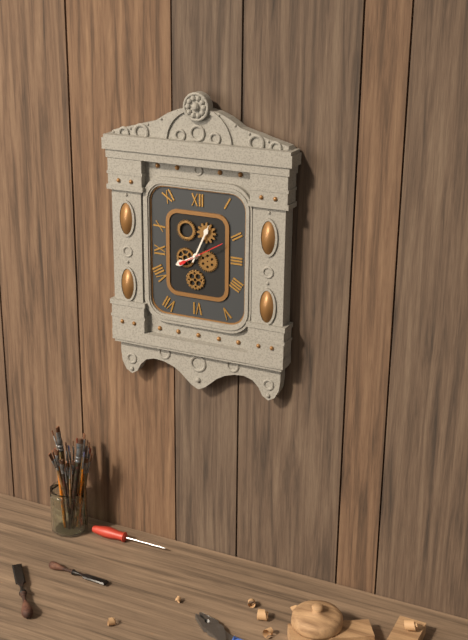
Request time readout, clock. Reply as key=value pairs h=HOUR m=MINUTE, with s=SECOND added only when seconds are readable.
h=8 m=4
